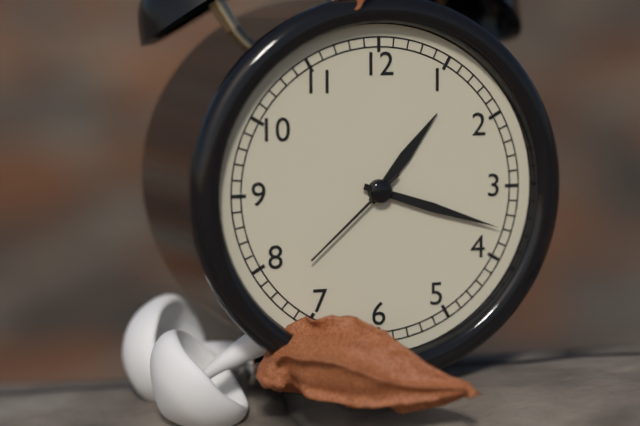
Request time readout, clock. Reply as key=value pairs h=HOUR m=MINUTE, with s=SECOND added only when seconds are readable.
h=1 m=18 s=38
